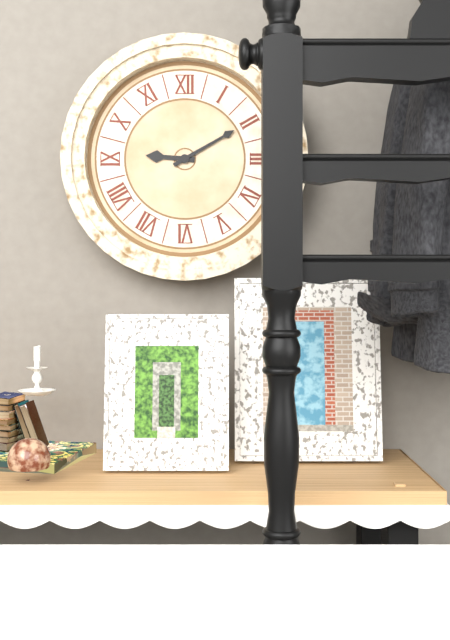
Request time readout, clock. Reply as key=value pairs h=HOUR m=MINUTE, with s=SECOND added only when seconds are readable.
h=9 m=10
